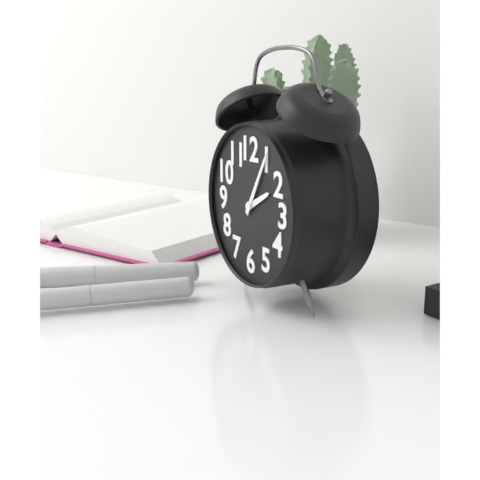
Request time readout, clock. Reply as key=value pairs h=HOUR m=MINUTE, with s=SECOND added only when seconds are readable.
h=2 m=5
